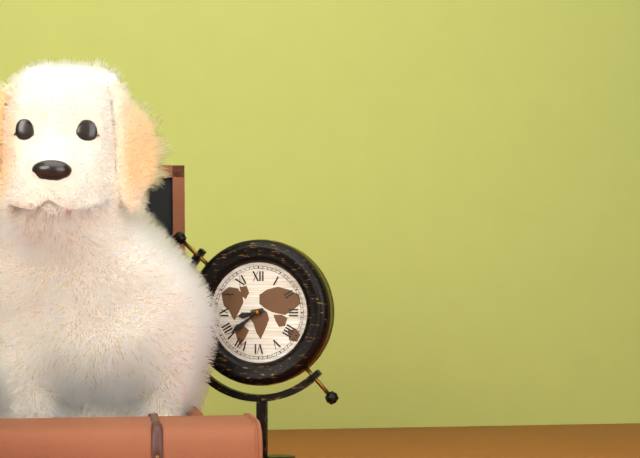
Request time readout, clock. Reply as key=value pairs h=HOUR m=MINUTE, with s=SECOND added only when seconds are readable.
h=8 m=39
